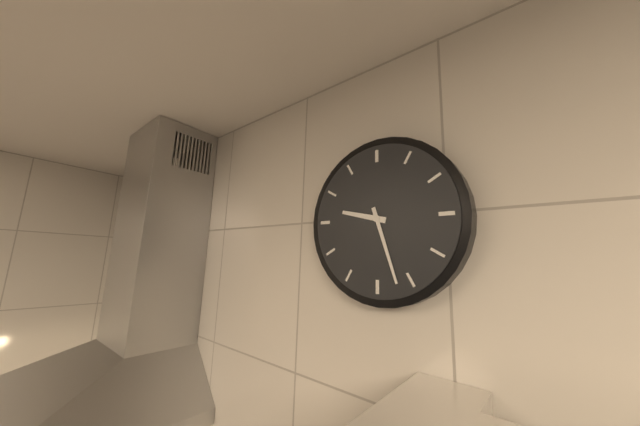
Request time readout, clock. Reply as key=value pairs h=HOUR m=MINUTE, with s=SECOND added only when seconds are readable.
h=9 m=27
